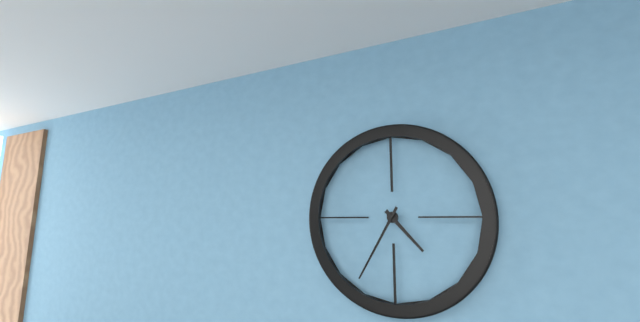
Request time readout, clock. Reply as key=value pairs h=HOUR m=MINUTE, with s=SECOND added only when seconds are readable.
h=4 m=35
